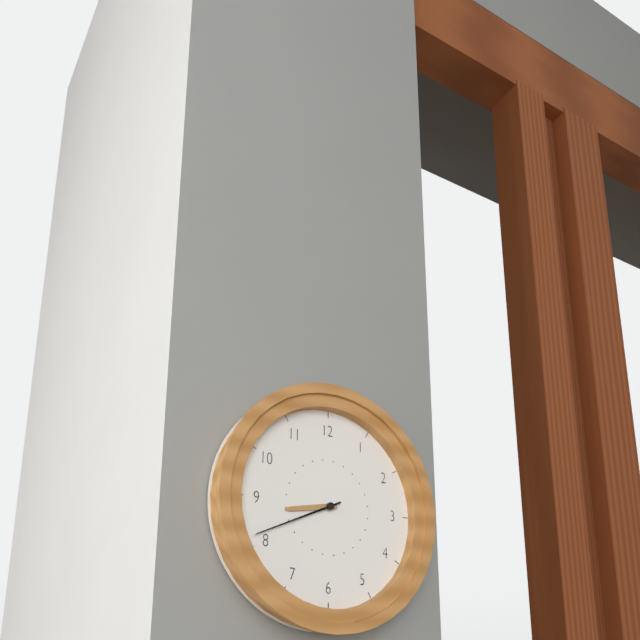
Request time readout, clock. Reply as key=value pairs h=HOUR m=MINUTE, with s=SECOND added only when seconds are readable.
h=8 m=41
